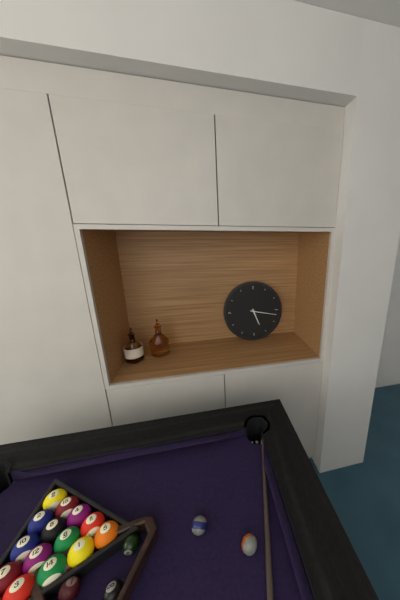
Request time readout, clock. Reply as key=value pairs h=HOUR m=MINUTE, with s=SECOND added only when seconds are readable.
h=5 m=17
